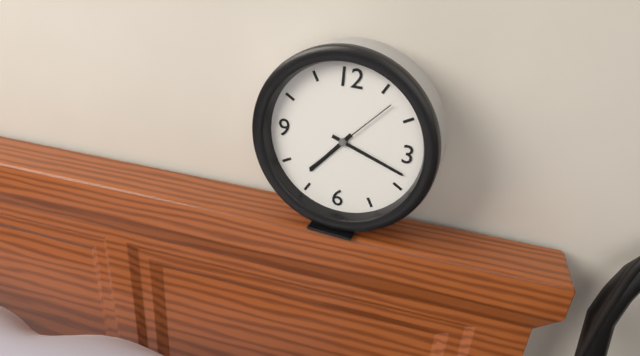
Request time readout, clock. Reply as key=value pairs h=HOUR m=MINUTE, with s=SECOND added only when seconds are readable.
h=7 m=18 s=7
